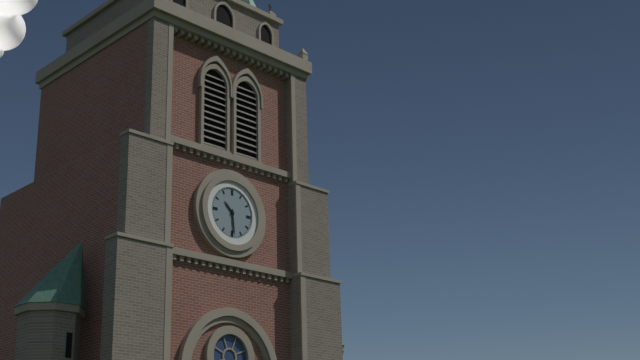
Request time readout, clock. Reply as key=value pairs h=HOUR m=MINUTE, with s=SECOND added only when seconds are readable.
h=10 m=29
